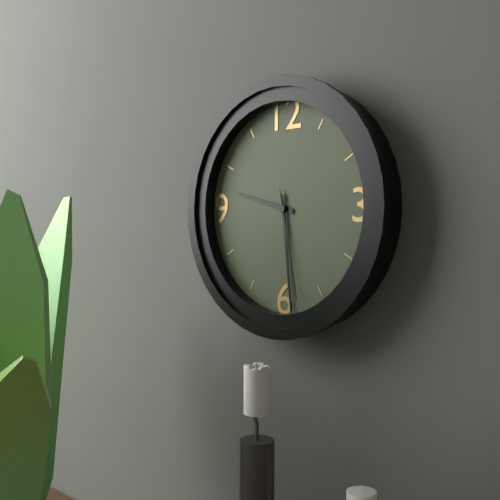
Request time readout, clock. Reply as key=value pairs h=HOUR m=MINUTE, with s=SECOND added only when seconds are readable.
h=9 m=29 s=28
